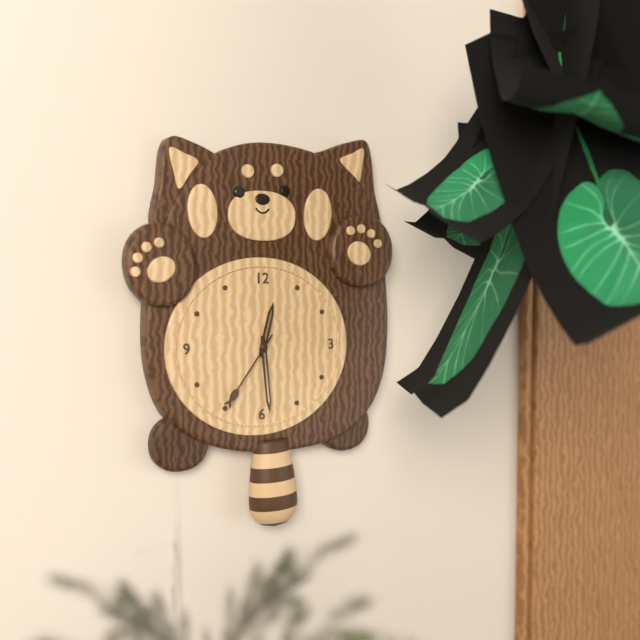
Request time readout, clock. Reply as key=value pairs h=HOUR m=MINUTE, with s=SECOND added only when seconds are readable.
h=12 m=29 s=36
